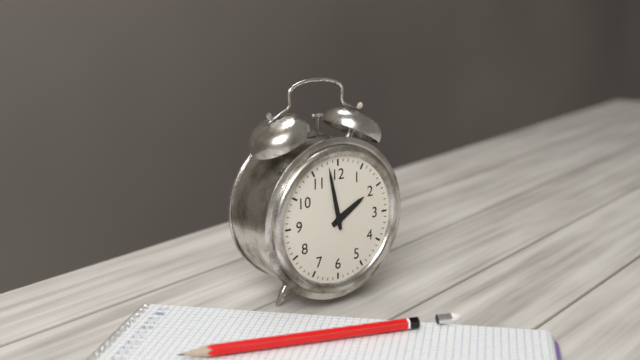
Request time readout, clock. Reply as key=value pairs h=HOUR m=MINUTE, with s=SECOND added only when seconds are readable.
h=1 m=58
